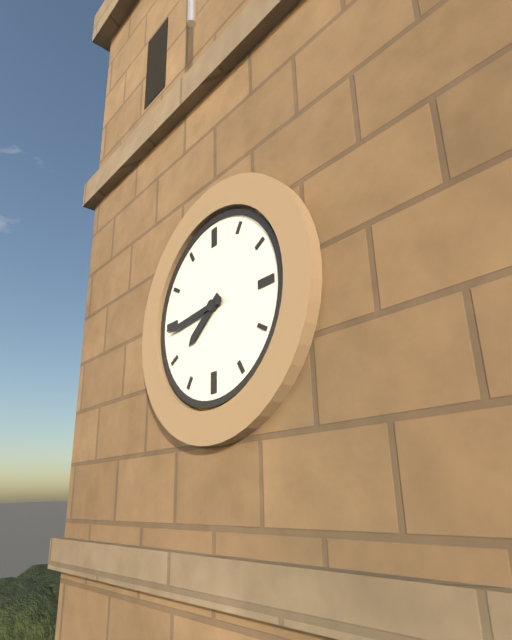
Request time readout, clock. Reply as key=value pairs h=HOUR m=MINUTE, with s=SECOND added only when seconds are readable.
h=7 m=44
